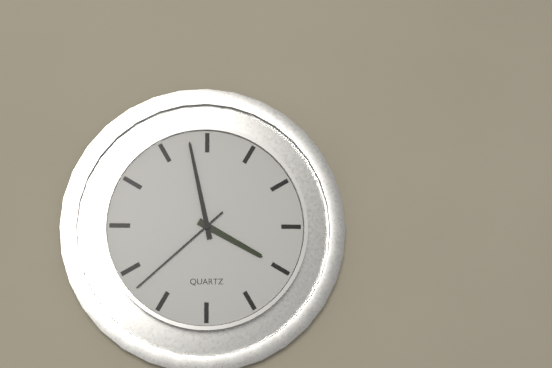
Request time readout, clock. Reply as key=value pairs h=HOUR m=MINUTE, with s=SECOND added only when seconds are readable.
h=3 m=58 s=38
